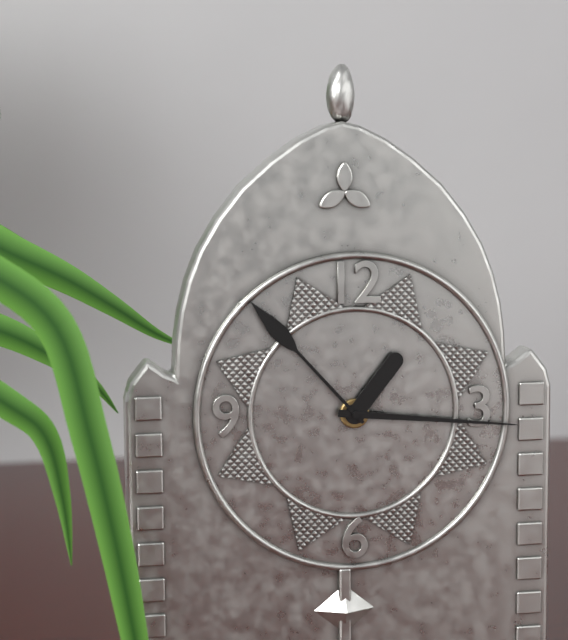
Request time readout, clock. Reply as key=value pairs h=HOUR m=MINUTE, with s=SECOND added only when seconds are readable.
h=1 m=16 s=53
